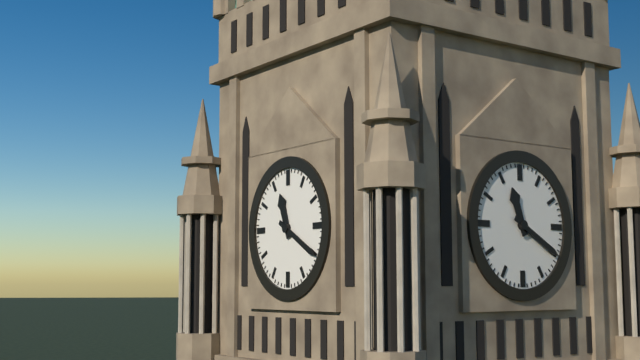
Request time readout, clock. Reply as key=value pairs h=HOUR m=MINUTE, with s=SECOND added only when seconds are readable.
h=11 m=20
